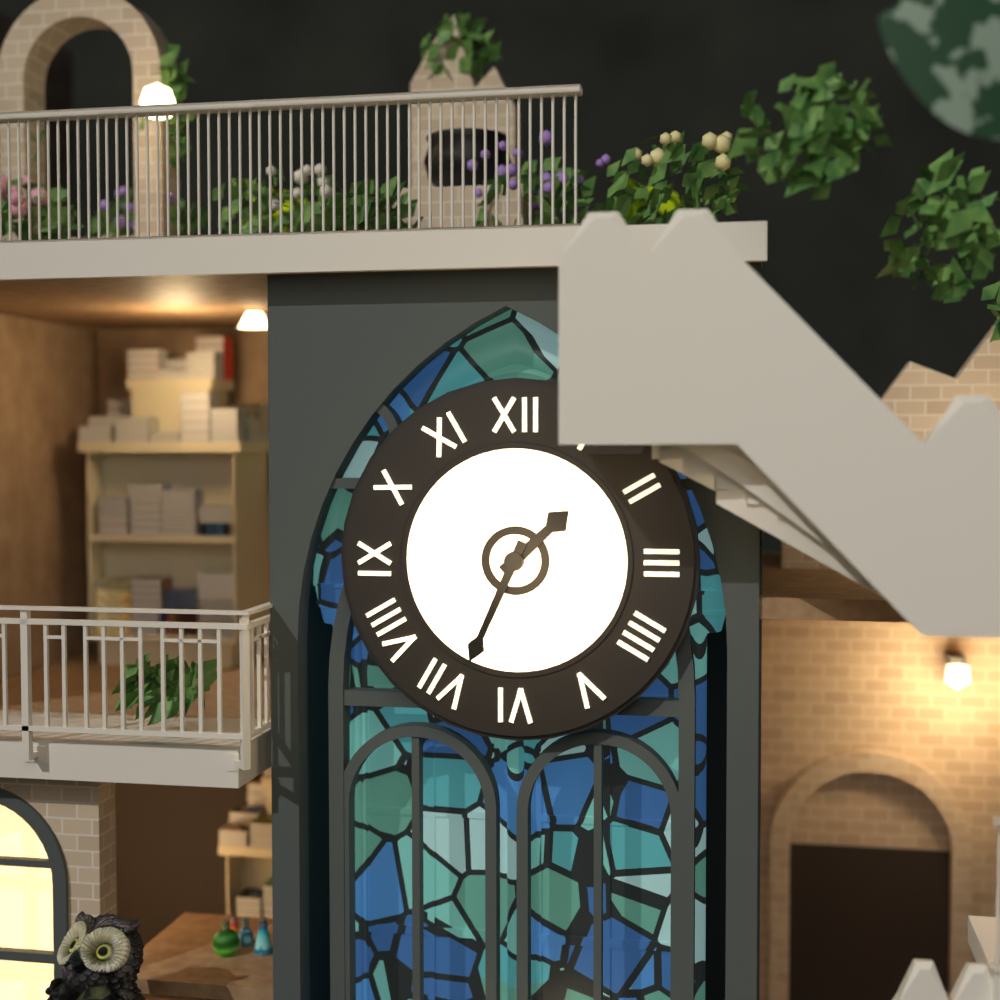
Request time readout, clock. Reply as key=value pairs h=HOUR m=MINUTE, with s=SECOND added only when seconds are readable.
h=1 m=34
